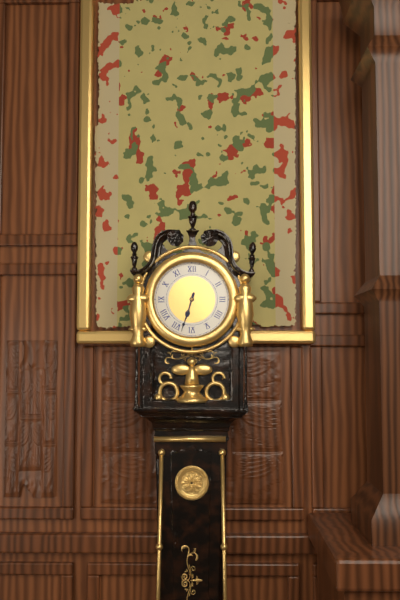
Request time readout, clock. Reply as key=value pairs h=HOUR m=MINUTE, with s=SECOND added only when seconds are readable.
h=6 m=33
